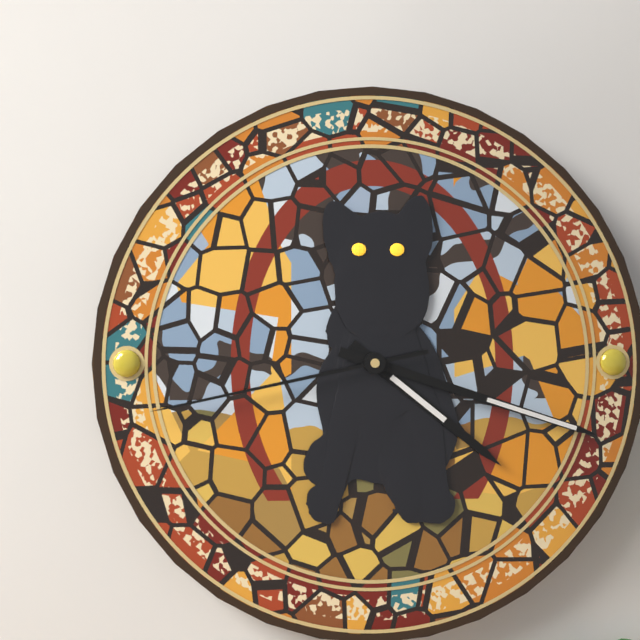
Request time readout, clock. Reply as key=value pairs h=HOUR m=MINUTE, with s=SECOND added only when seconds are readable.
h=4 m=18 s=43
